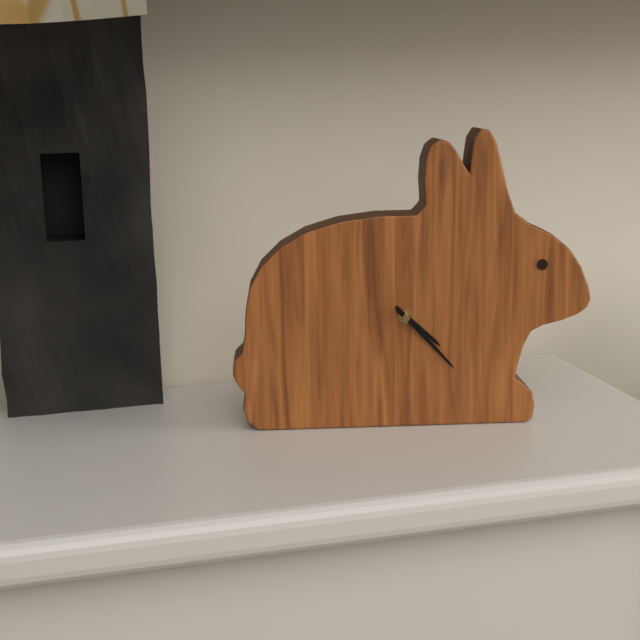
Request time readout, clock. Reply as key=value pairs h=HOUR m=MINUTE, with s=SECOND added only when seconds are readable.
h=4 m=23
